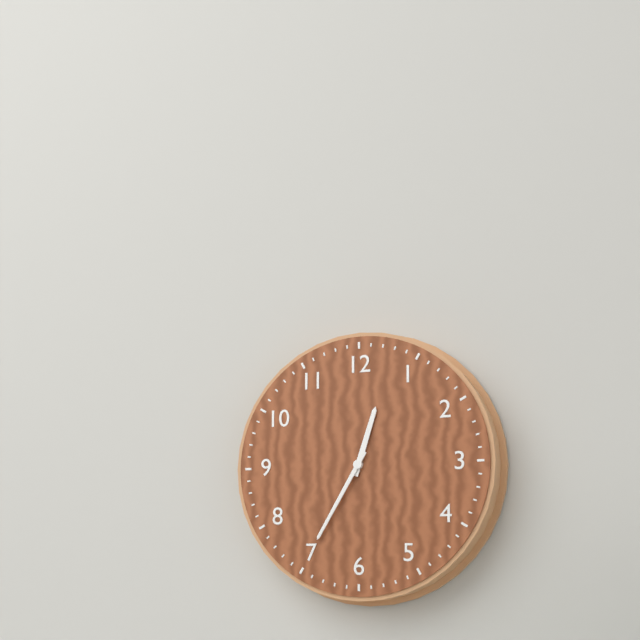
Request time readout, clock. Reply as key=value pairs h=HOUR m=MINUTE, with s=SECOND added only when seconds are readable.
h=12 m=35
